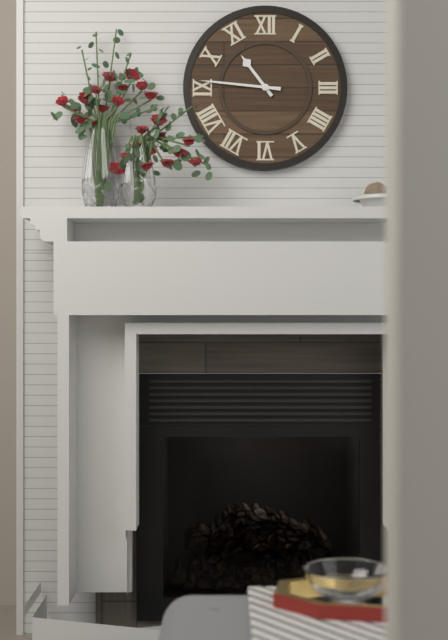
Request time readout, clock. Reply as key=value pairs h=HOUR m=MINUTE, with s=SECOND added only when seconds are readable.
h=10 m=46
